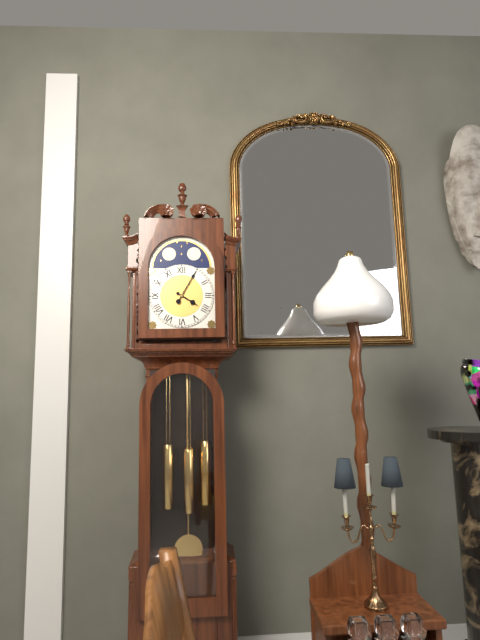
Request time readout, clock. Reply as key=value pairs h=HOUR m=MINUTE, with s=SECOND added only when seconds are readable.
h=4 m=5
